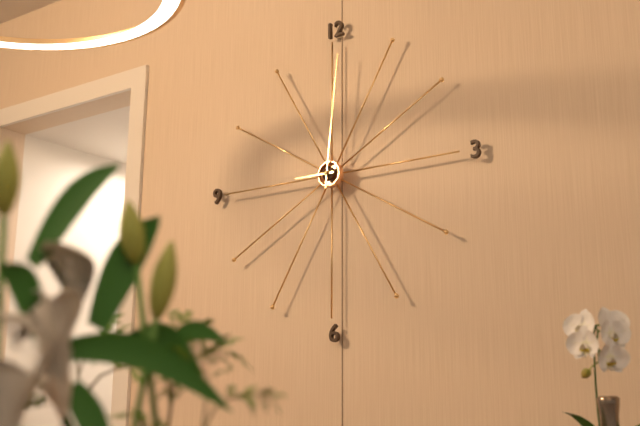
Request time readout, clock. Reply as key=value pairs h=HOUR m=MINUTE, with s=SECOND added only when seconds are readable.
h=9 m=1
